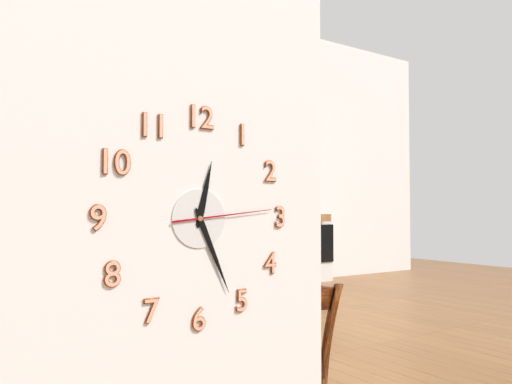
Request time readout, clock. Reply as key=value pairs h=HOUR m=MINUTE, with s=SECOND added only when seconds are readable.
h=12 m=26 s=14
